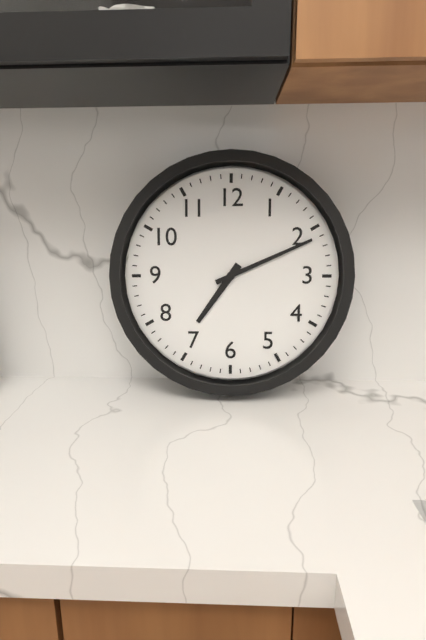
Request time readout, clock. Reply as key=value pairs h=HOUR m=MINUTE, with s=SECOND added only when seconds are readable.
h=7 m=11
